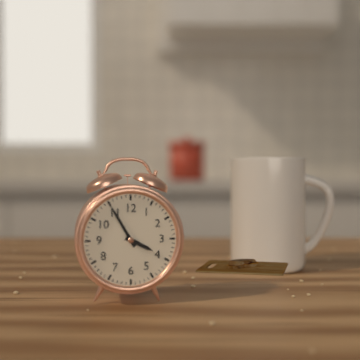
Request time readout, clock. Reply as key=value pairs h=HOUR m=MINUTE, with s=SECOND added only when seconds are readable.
h=3 m=55
